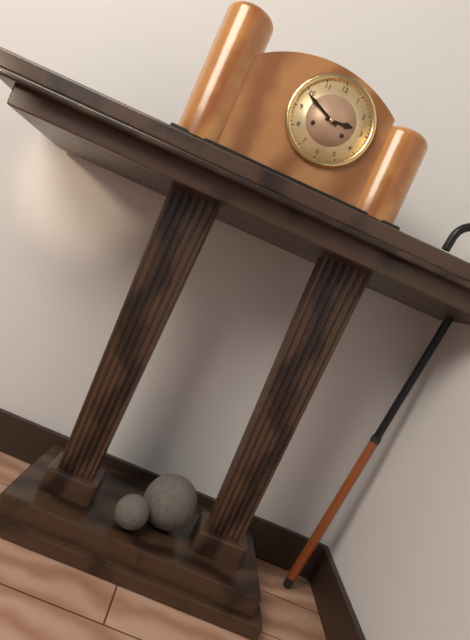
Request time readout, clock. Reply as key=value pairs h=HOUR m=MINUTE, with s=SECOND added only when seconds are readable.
h=2 m=49
